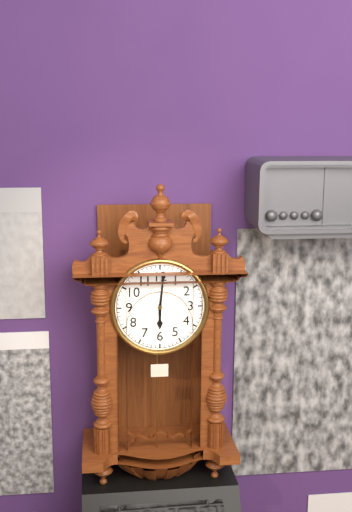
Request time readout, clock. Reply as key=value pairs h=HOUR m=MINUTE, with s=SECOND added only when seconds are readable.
h=6 m=1
